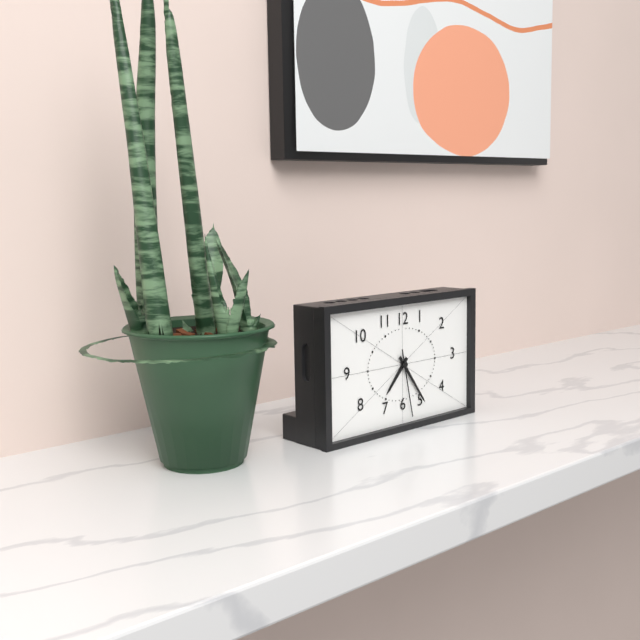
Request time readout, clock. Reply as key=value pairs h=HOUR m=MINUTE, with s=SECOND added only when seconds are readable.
h=7 m=24 s=28
